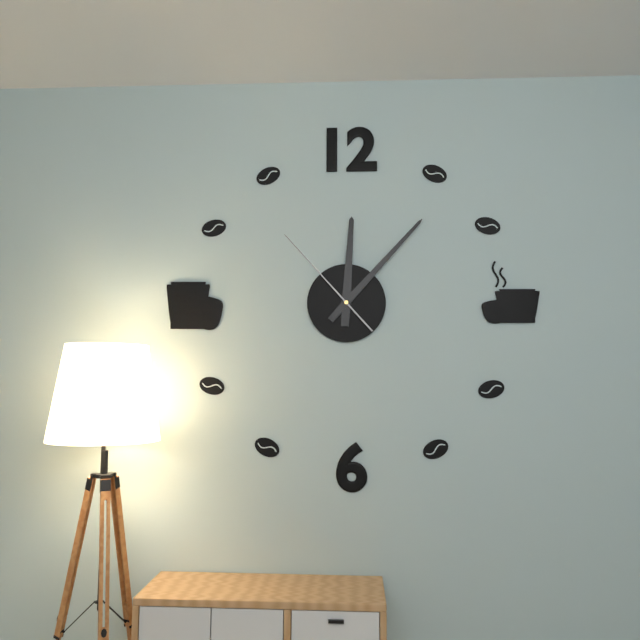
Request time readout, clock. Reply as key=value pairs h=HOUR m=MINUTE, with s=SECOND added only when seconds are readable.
h=12 m=7 s=53
